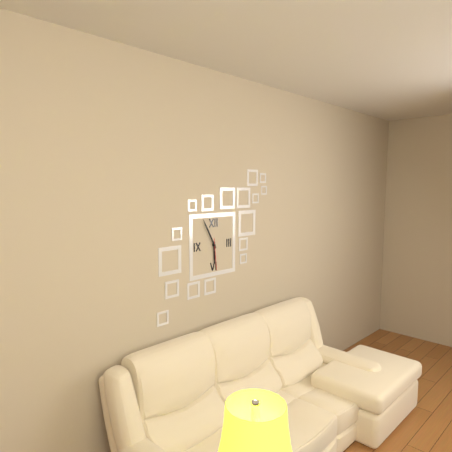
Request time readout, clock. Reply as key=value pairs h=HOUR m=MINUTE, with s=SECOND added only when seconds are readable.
h=5 m=55
